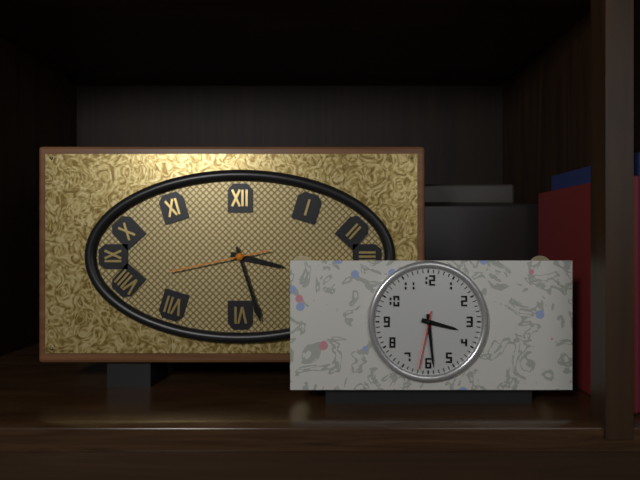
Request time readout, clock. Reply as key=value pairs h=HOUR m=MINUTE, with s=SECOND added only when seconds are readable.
h=3 m=27 s=43
